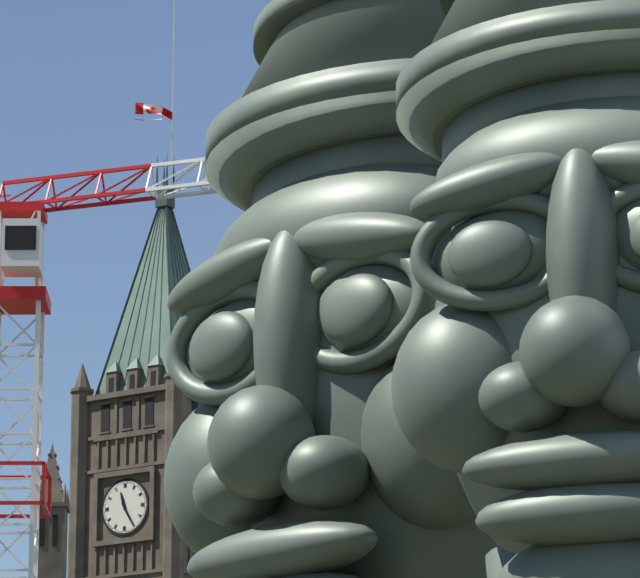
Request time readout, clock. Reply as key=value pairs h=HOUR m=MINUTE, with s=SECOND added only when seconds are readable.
h=11 m=25
